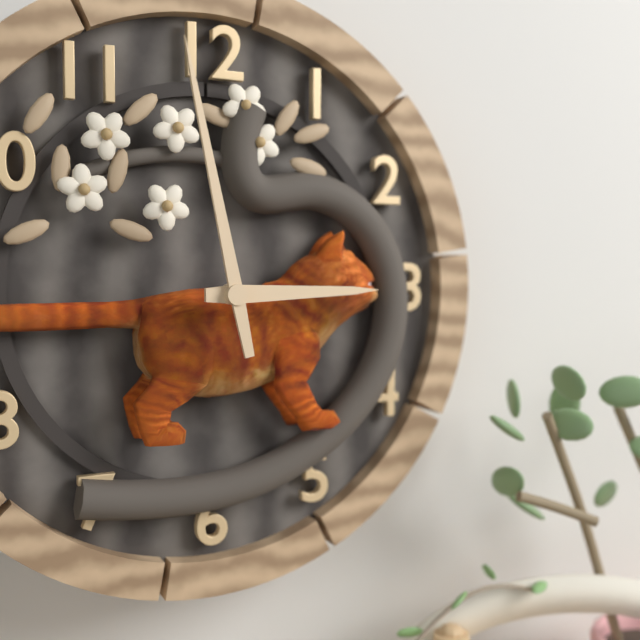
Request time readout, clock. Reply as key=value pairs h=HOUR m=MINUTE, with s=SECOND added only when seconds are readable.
h=2 m=58
